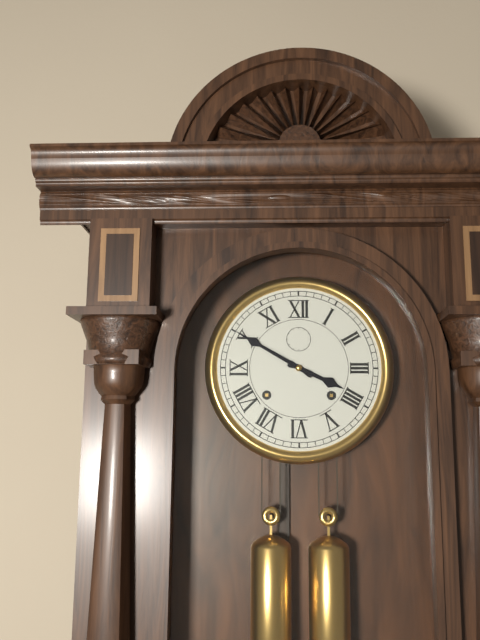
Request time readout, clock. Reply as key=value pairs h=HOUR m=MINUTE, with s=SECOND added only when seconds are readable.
h=3 m=50
